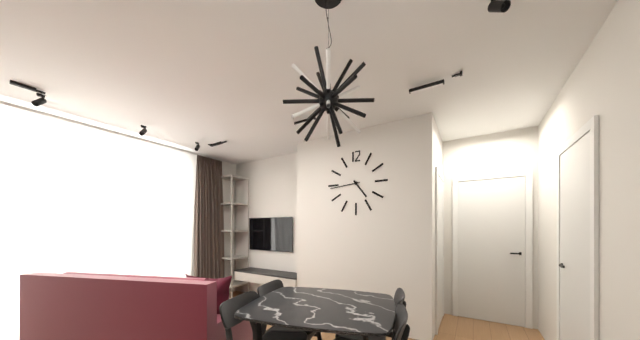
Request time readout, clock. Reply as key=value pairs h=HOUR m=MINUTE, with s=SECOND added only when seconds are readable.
h=4 m=44
